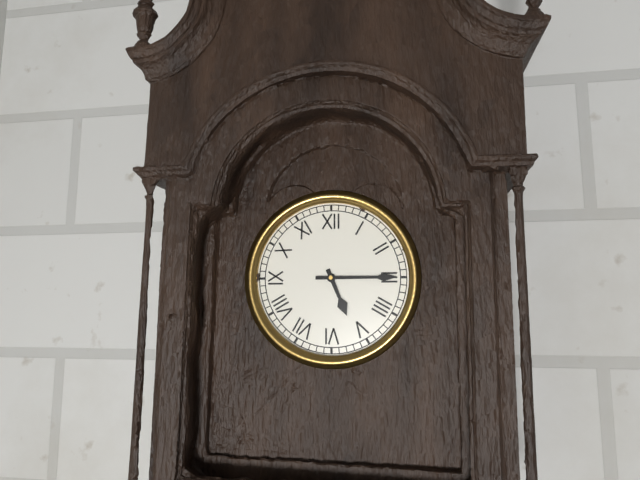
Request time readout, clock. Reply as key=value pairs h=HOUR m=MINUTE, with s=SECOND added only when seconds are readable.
h=5 m=15
